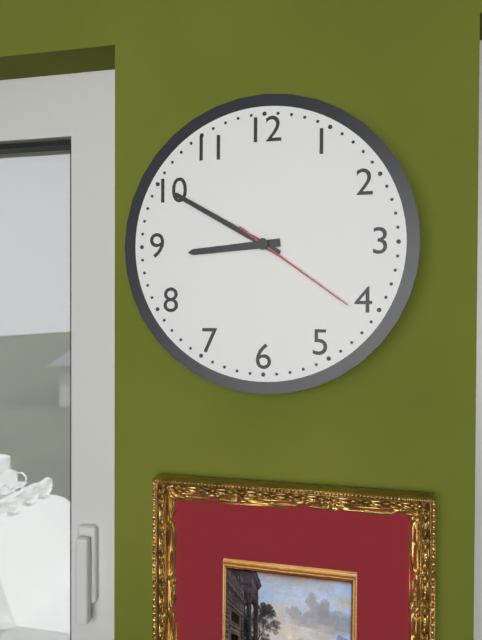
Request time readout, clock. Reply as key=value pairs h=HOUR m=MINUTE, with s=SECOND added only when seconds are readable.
h=8 m=50 s=21
